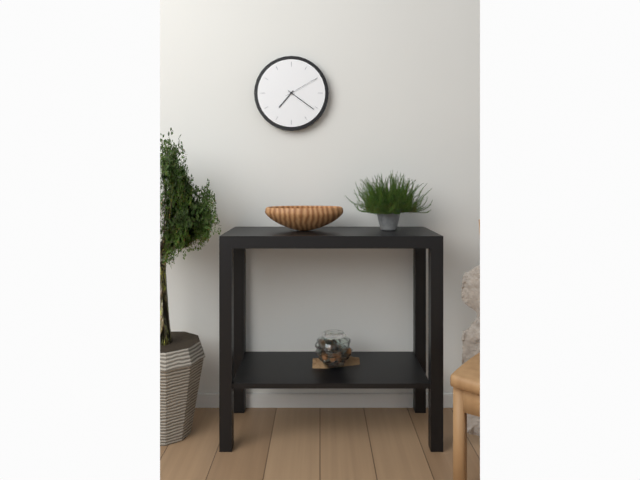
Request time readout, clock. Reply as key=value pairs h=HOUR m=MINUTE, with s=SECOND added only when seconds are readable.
h=7 m=21
